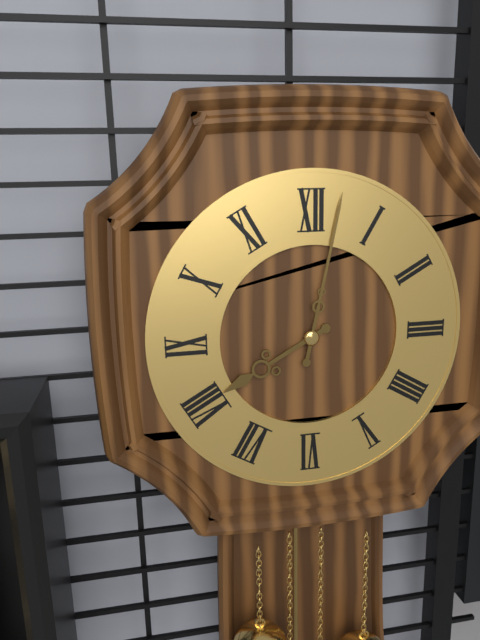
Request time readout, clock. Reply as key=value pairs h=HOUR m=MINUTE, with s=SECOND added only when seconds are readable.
h=8 m=2
